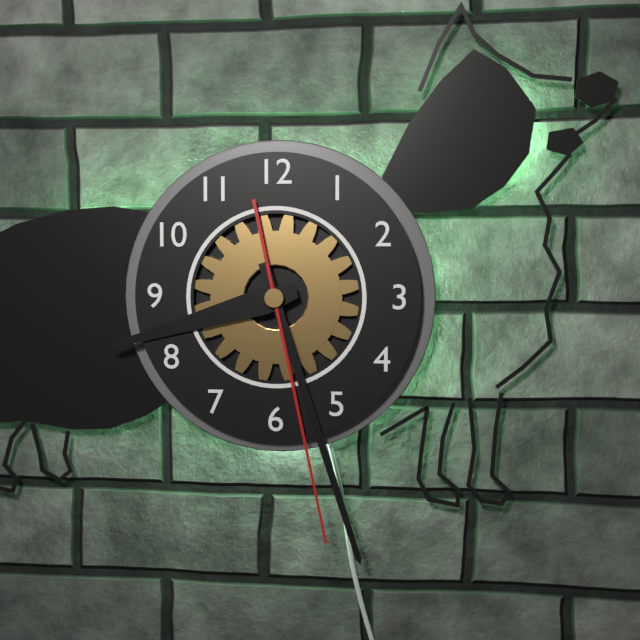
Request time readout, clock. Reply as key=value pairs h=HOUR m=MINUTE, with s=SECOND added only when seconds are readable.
h=8 m=27 s=28
